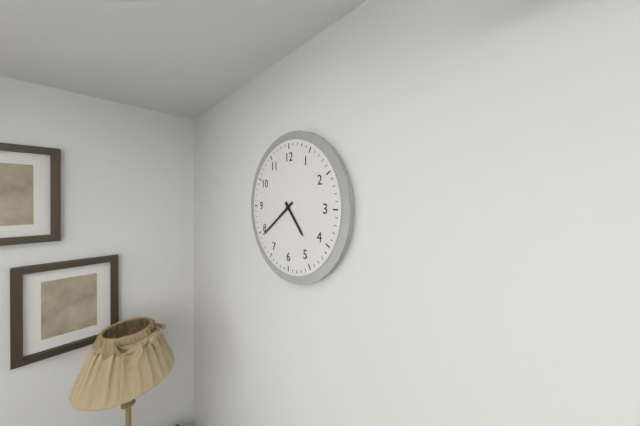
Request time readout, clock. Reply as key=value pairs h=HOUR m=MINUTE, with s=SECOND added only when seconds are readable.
h=4 m=39
